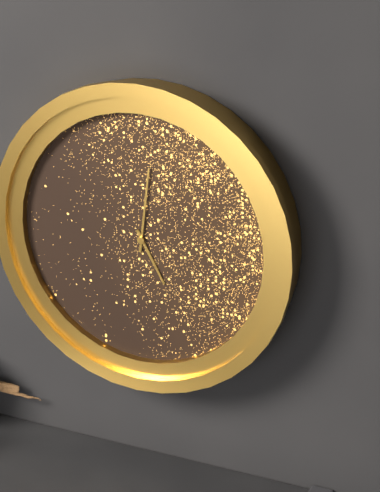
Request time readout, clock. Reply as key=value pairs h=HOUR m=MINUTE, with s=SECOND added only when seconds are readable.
h=5 m=1
